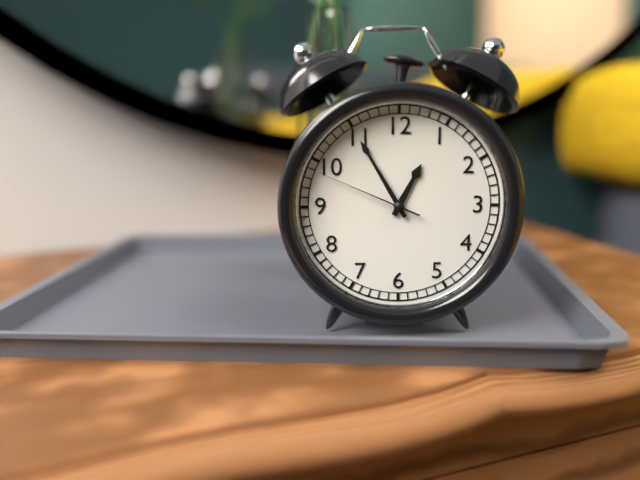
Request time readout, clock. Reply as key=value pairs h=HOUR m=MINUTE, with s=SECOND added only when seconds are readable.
h=12 m=55 s=49
